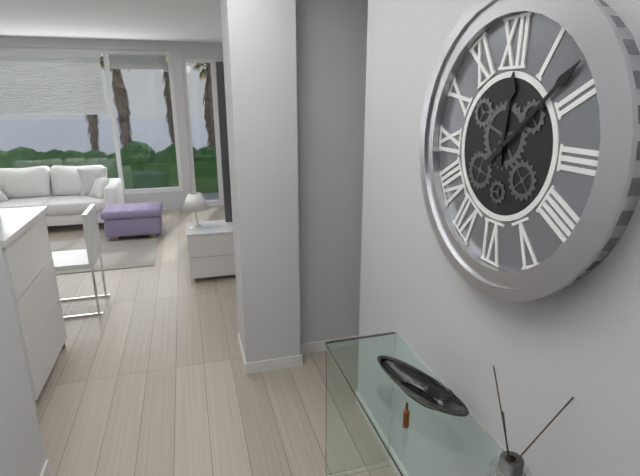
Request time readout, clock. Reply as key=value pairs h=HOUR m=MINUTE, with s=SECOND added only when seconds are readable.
h=12 m=8
